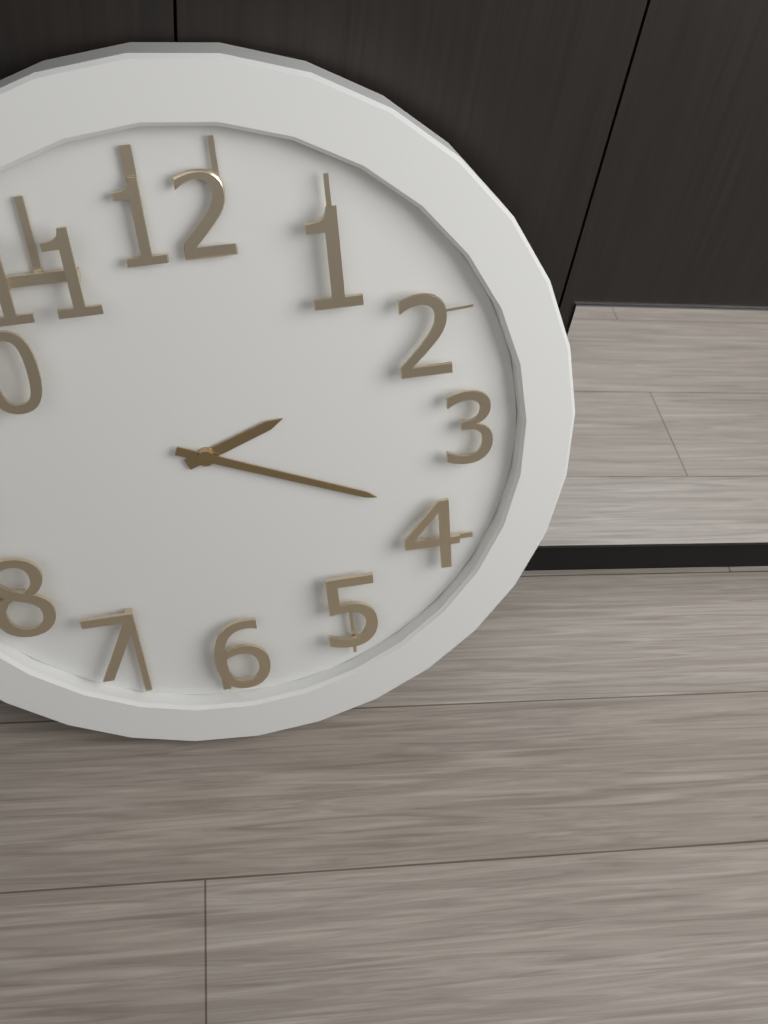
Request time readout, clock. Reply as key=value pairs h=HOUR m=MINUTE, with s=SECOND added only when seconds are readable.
h=2 m=19
